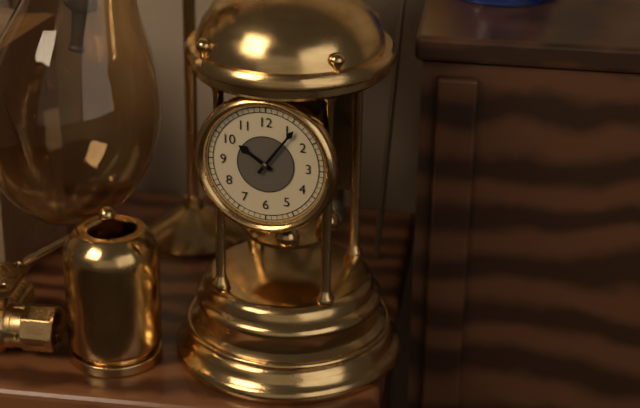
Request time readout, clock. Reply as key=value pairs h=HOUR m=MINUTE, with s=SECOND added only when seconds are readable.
h=10 m=6
